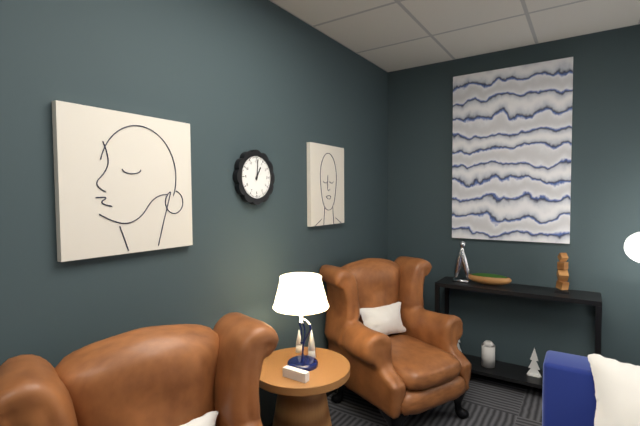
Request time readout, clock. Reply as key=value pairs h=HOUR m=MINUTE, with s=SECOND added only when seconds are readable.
h=1 m=1
